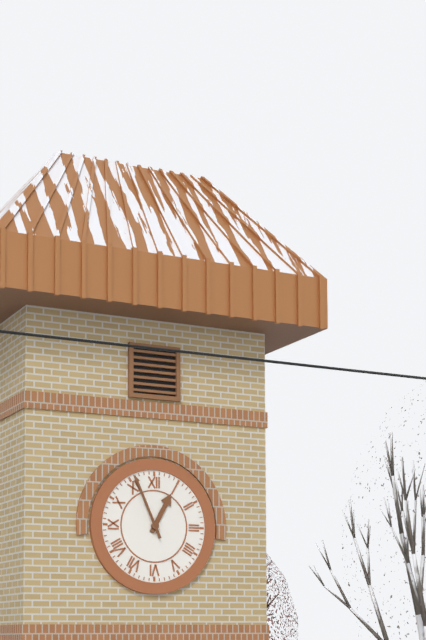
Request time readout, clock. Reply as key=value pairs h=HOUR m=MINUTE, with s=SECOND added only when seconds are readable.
h=12 m=56
